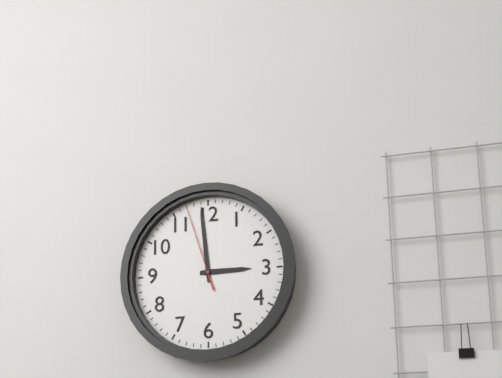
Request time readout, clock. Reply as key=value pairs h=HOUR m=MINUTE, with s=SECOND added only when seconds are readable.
h=2 m=59 s=57
